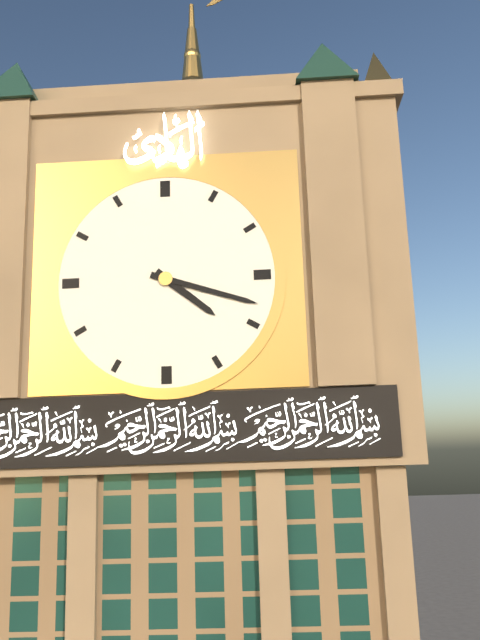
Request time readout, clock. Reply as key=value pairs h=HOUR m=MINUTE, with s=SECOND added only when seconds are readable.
h=4 m=18
